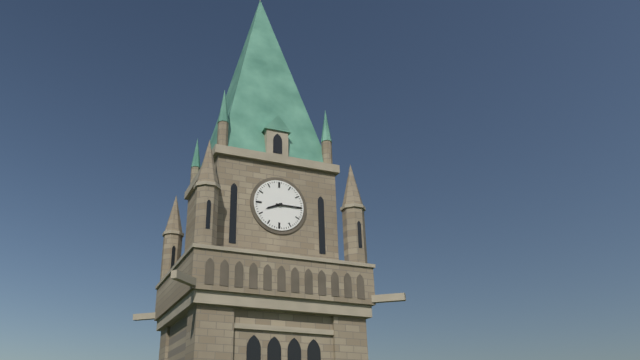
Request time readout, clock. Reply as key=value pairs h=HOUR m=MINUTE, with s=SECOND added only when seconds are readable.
h=8 m=15
